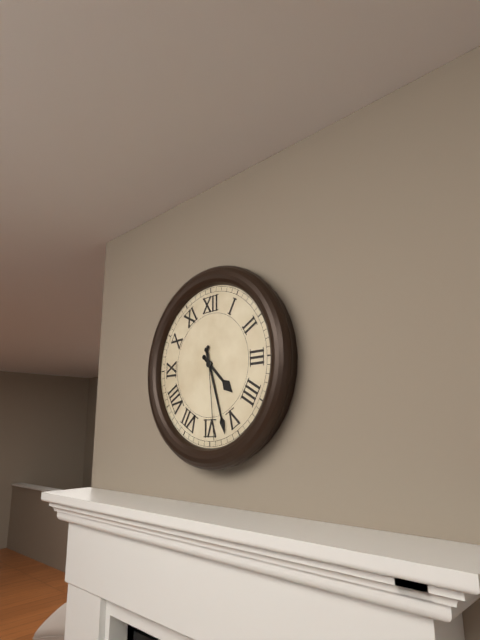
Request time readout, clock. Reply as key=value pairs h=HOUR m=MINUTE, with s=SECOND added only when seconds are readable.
h=4 m=27 s=29
